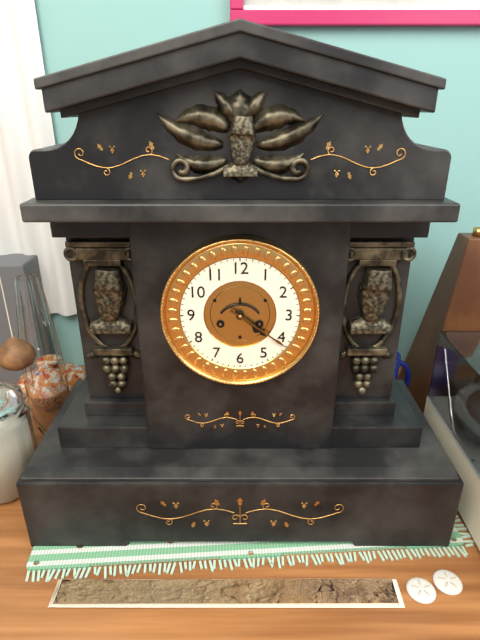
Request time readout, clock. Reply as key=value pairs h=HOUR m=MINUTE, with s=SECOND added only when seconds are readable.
h=4 m=21
